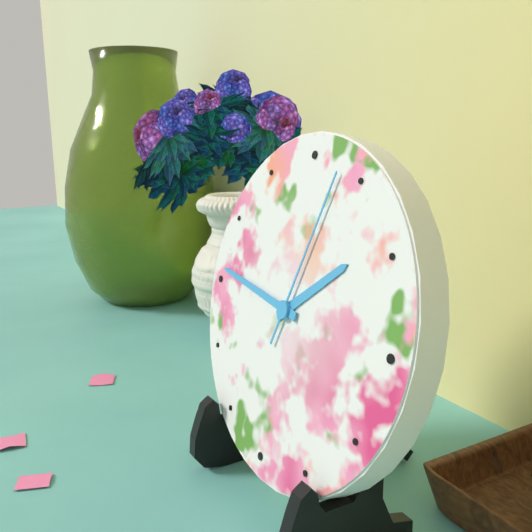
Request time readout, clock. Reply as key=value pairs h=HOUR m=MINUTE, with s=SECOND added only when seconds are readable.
h=1 m=46 s=3
